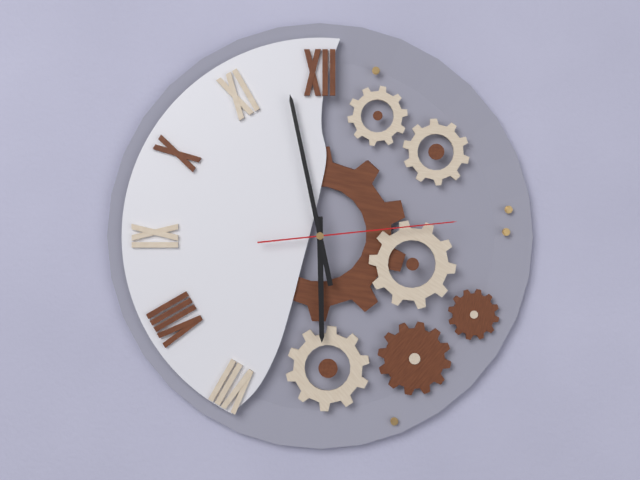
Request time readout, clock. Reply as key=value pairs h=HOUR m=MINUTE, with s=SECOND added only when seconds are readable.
h=5 m=58 s=14
